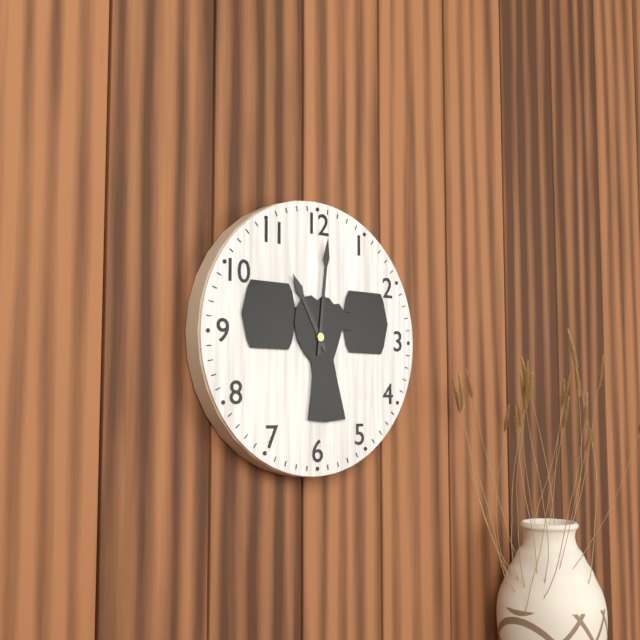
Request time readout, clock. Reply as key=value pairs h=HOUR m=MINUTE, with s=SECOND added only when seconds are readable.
h=11 m=1
